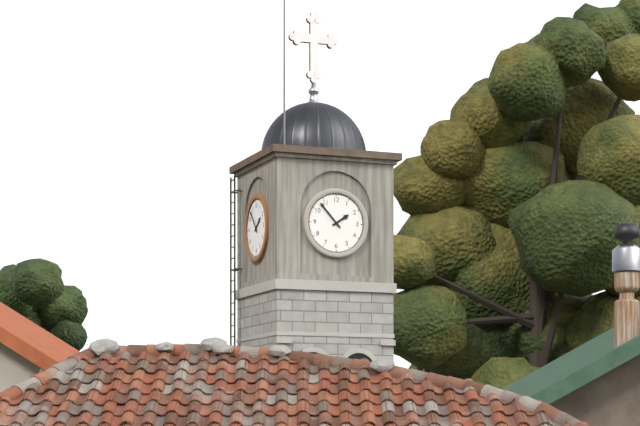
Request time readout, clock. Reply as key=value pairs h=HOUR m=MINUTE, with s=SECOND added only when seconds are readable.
h=1 m=53
